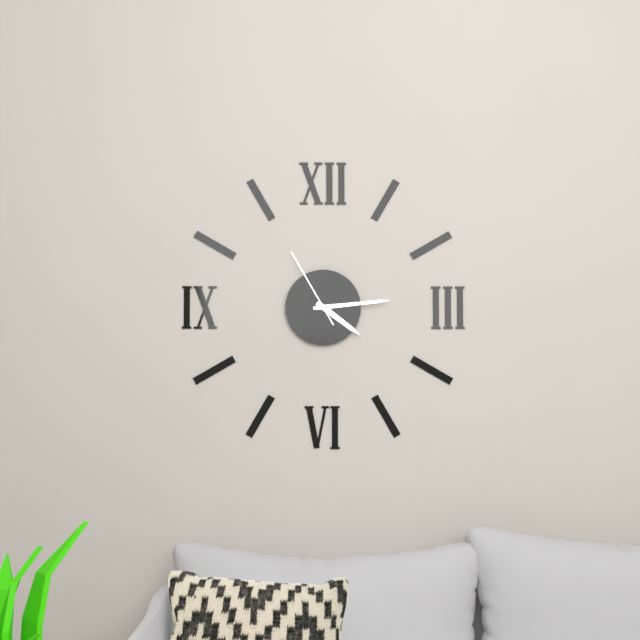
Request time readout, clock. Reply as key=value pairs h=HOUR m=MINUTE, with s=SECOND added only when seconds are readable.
h=4 m=14 s=55
